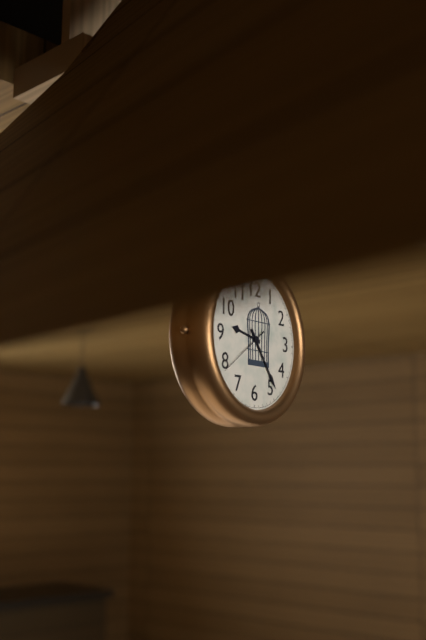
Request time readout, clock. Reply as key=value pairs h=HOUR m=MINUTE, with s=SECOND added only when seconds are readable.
h=9 m=24 s=39
